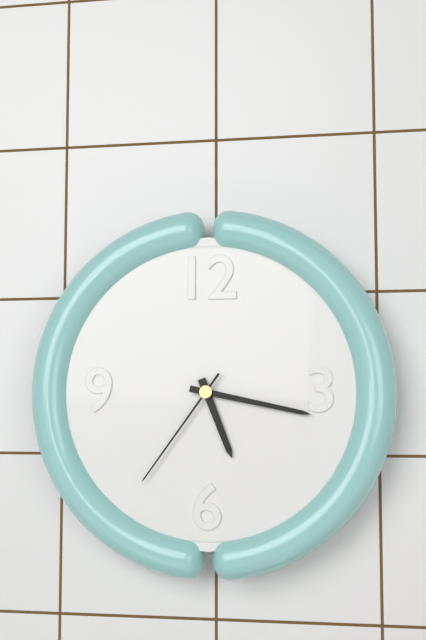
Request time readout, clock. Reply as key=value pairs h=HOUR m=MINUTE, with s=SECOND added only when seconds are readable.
h=5 m=17 s=36
